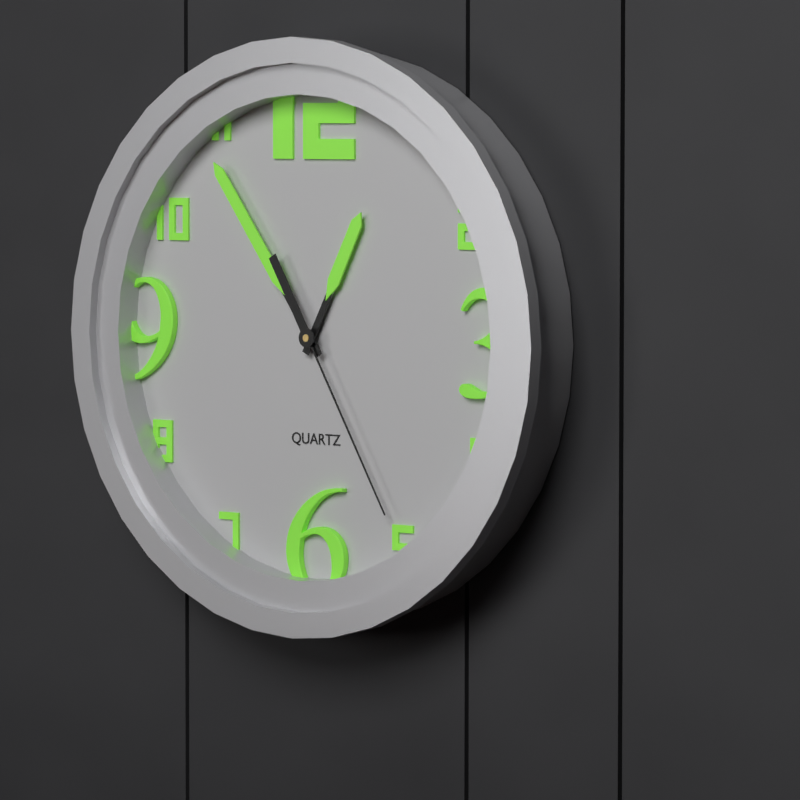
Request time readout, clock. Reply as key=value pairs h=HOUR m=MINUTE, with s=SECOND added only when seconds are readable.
h=12 m=54 s=25
